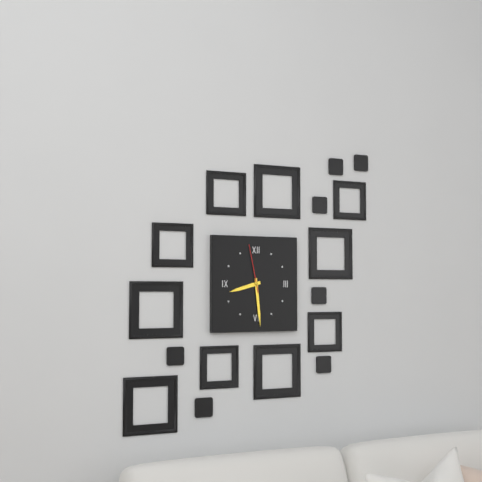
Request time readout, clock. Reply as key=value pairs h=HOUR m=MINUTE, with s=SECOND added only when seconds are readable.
h=8 m=29 s=58
